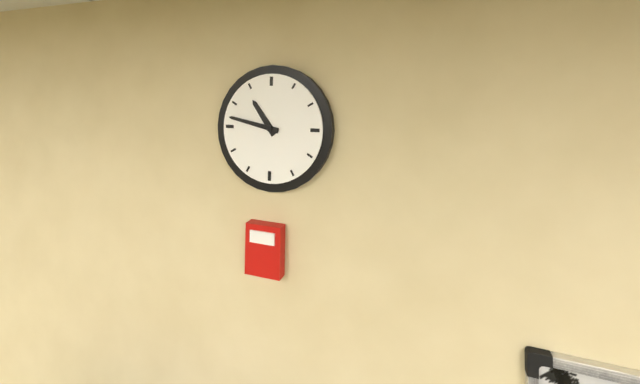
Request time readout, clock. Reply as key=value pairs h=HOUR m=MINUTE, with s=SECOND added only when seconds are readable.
h=10 m=47
